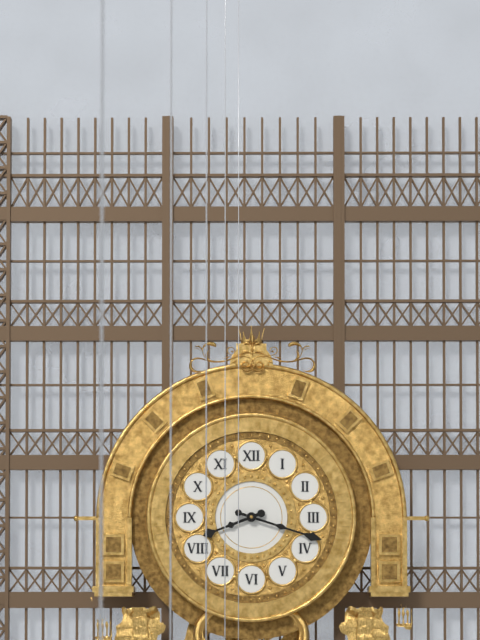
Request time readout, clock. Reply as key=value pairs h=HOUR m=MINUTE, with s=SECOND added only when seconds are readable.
h=8 m=18
